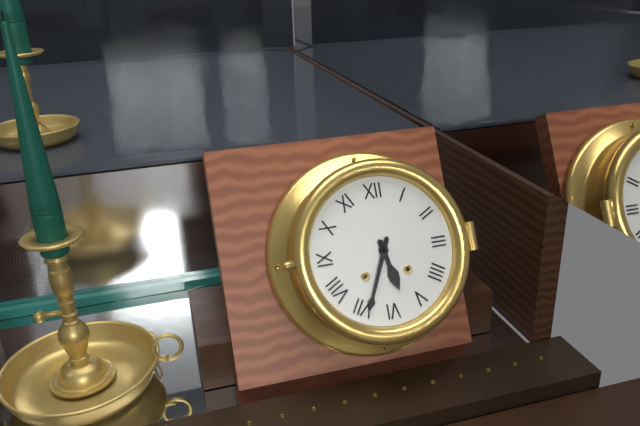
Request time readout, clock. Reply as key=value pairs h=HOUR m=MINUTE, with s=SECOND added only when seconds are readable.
h=5 m=34
